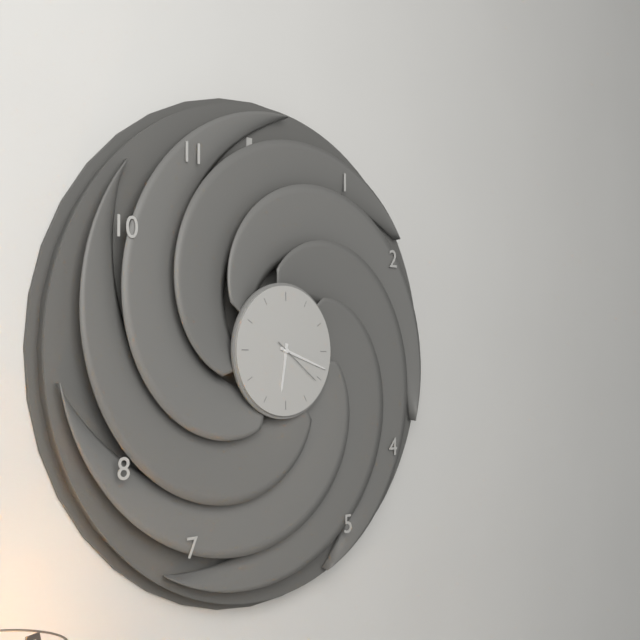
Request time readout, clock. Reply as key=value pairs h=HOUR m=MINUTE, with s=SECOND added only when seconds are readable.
h=6 m=18 s=21
